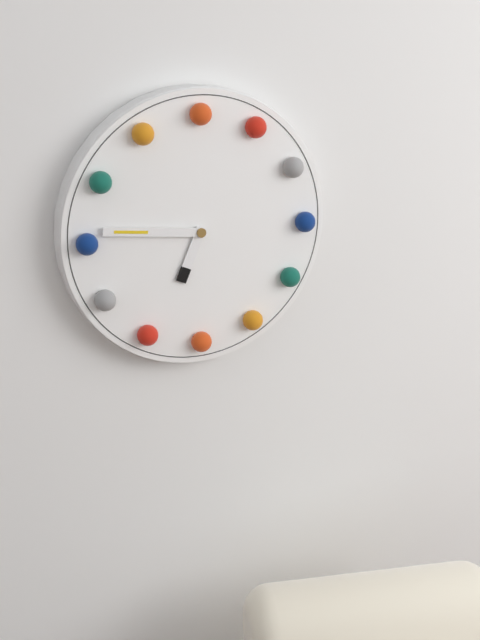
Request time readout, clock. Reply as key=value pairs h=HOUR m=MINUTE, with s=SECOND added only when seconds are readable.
h=6 m=46
